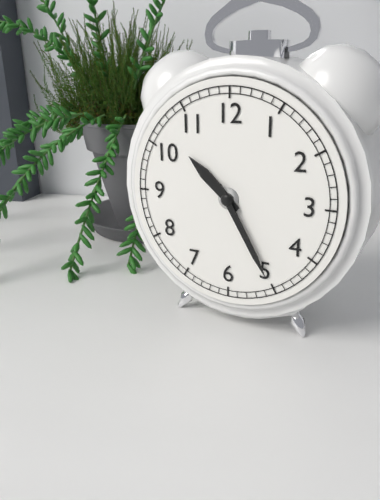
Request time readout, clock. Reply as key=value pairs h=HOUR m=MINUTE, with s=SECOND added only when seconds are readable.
h=10 m=25
